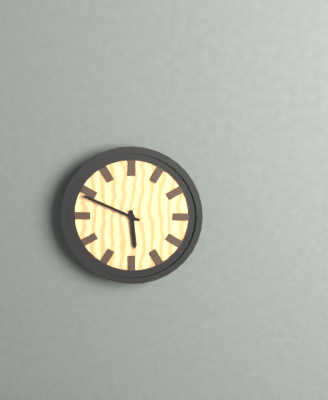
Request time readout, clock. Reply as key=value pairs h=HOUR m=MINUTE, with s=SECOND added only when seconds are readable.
h=5 m=49
